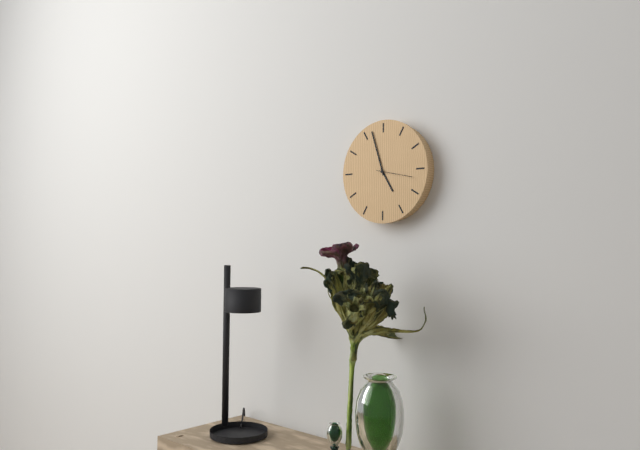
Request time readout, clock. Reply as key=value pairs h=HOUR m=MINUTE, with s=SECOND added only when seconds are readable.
h=4 m=57
